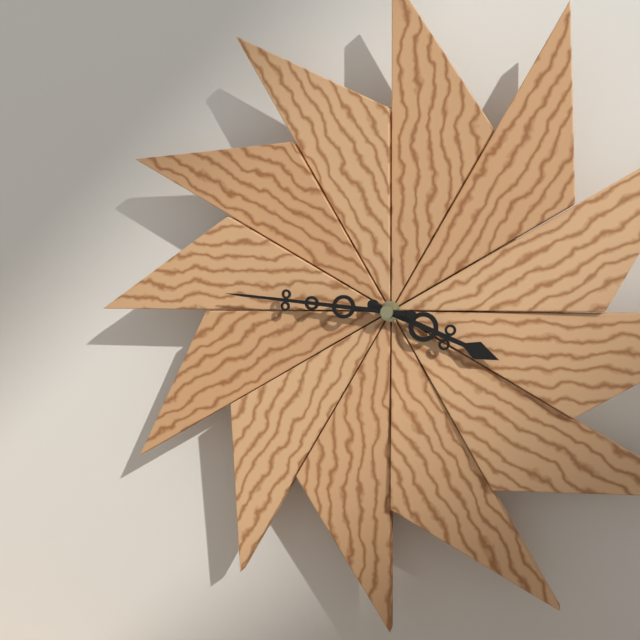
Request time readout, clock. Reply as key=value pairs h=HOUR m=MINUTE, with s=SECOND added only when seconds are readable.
h=3 m=46
